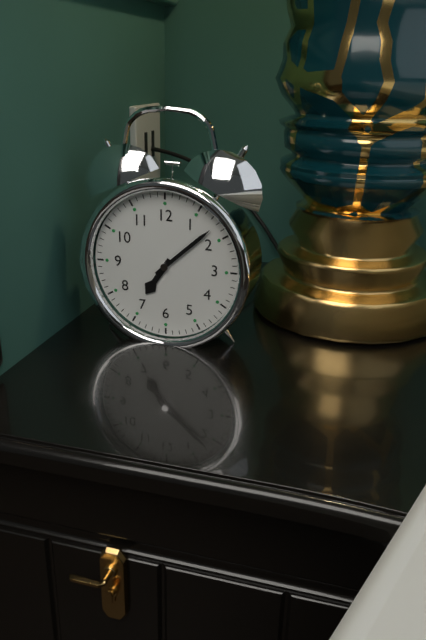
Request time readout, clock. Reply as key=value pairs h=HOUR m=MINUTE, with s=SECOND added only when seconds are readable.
h=7 m=8
